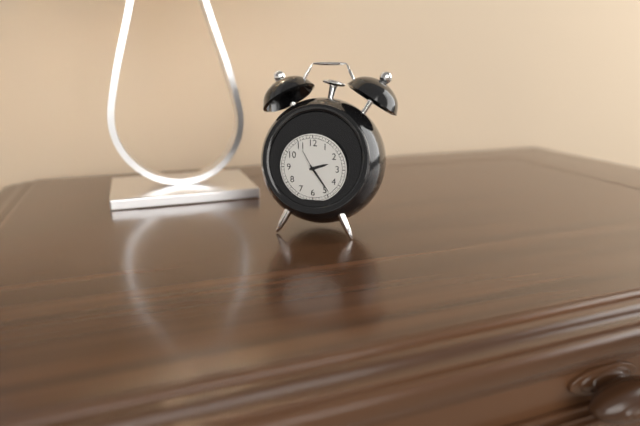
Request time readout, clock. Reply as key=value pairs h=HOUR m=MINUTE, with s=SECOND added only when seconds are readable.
h=2 m=24
